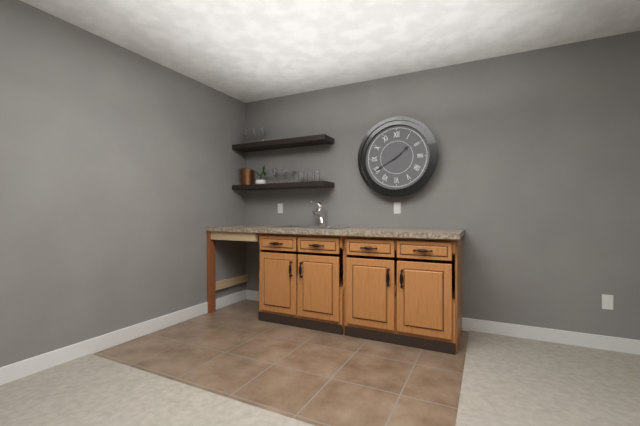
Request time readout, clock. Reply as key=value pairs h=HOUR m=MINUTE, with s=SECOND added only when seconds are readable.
h=1 m=40
